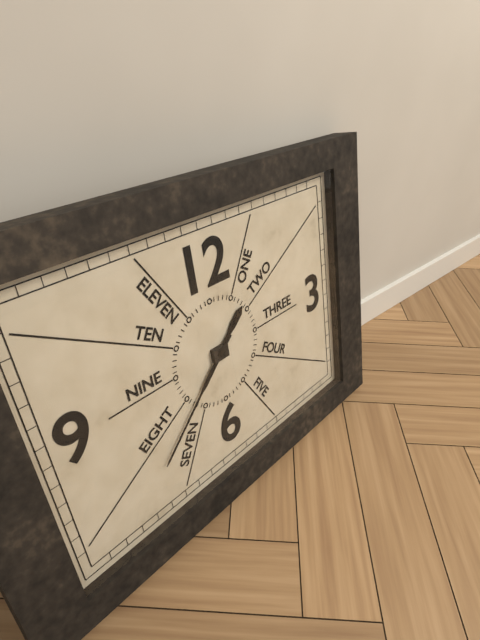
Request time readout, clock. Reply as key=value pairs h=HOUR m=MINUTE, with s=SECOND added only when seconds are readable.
h=1 m=38
